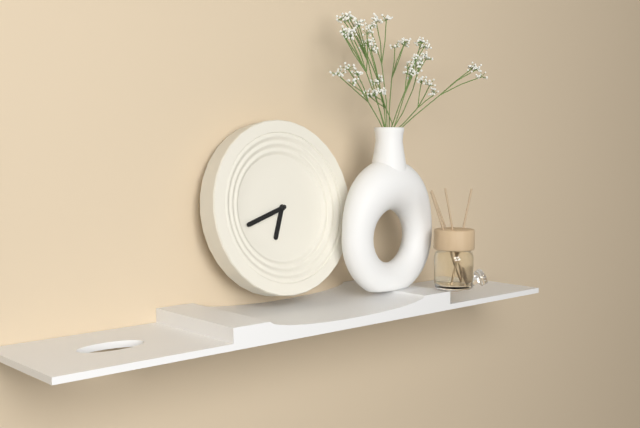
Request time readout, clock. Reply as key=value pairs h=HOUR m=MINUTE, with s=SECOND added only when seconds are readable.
h=6 m=42
